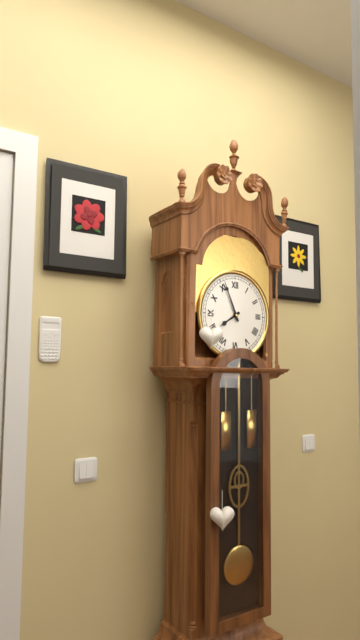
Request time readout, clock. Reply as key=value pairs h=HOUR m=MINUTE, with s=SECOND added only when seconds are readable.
h=7 m=56
